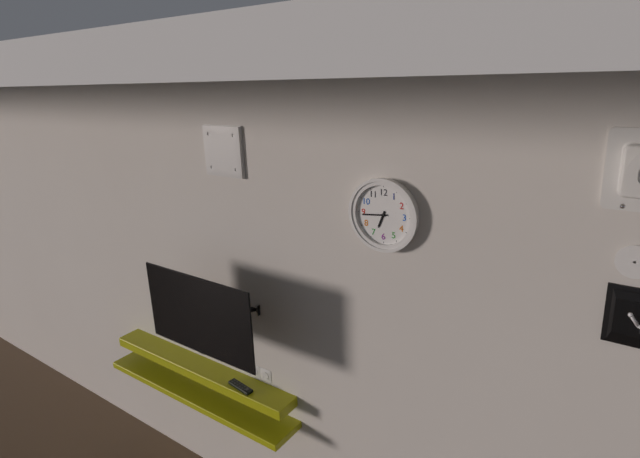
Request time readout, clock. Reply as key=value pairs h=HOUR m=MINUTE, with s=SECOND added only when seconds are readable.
h=6 m=44
